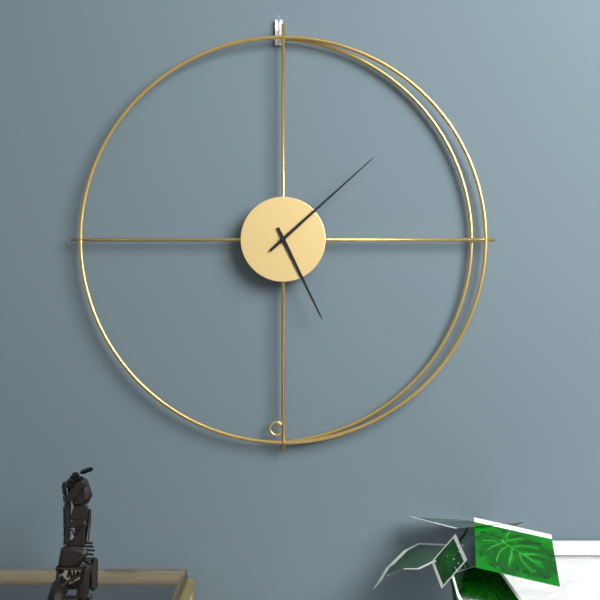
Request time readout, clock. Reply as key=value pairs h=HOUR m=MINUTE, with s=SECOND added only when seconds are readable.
h=5 m=8
